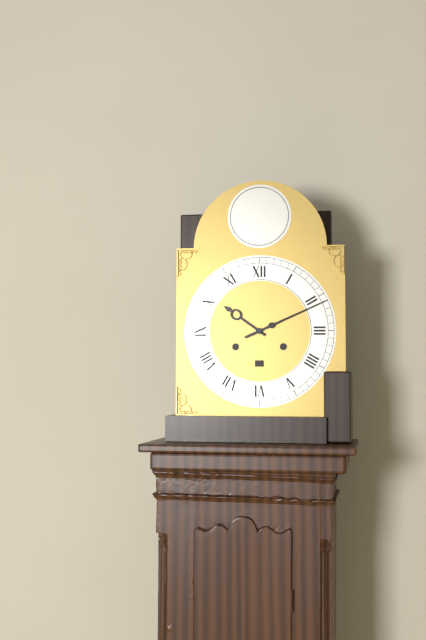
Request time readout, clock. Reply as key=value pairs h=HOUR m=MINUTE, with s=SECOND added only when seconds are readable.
h=10 m=11
